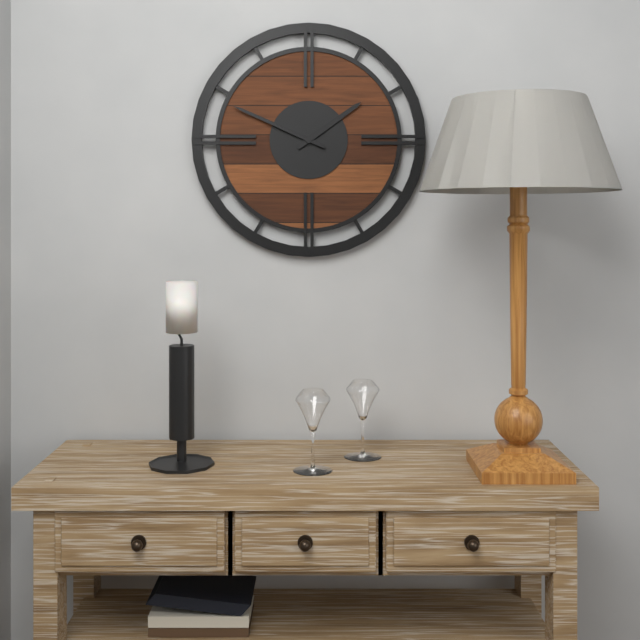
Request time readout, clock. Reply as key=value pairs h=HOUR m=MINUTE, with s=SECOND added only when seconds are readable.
h=1 m=49
